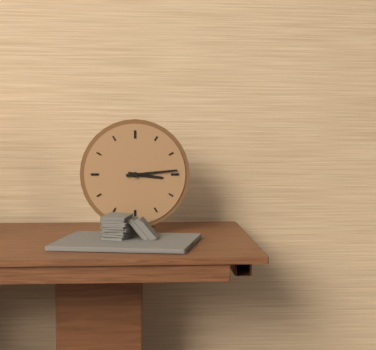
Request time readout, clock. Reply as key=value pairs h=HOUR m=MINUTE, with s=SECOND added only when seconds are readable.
h=3 m=14
